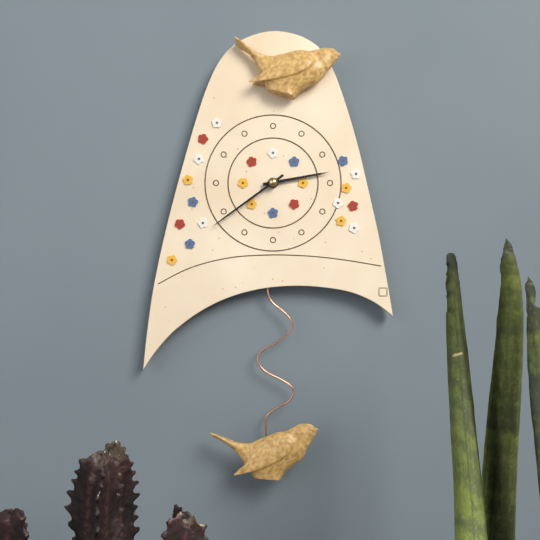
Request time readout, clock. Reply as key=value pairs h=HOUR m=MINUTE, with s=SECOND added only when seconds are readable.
h=2 m=39
